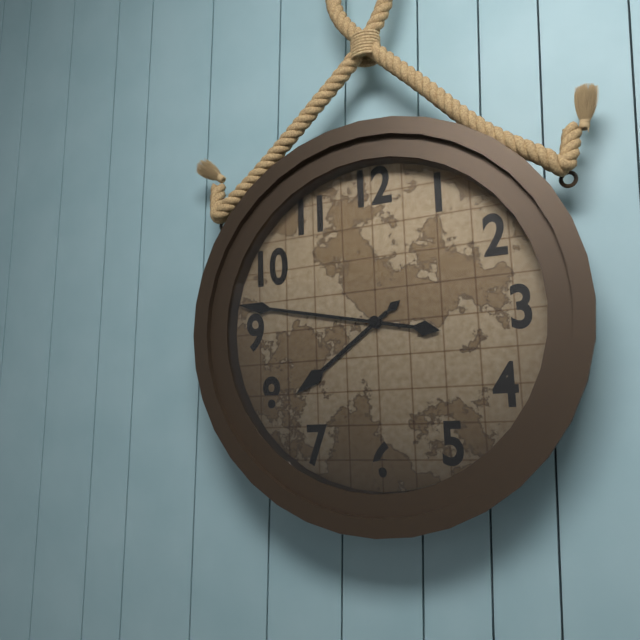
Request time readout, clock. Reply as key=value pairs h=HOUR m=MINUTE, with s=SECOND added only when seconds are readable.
h=7 m=47
